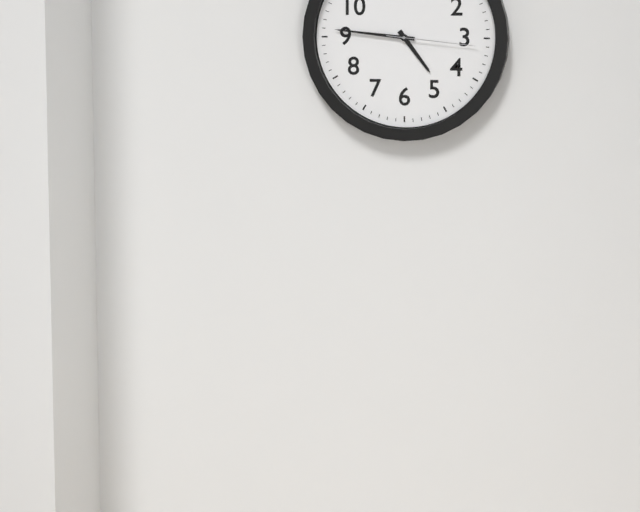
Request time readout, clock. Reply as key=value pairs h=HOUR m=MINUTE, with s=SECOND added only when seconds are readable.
h=4 m=46 s=16
